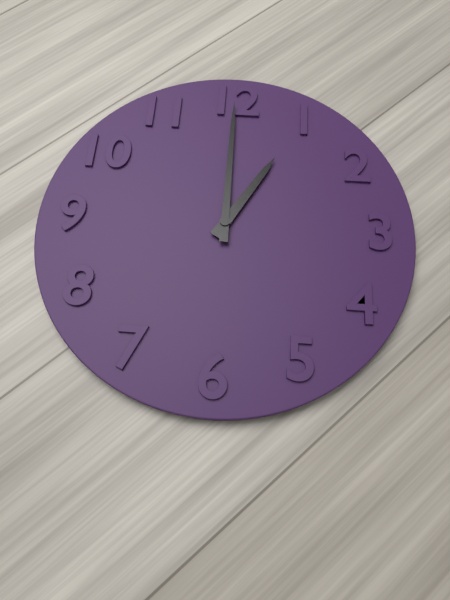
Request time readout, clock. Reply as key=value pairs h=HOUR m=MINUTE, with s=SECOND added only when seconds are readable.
h=1 m=0
